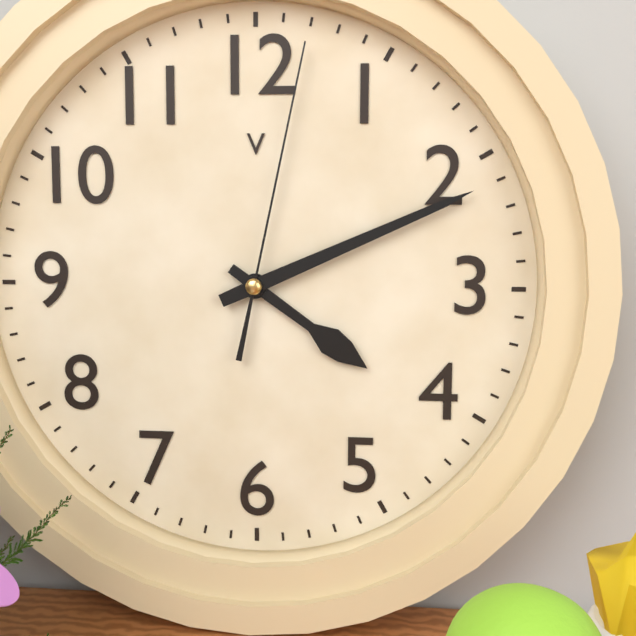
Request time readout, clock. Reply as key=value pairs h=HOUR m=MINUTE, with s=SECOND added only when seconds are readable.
h=4 m=11 s=2
